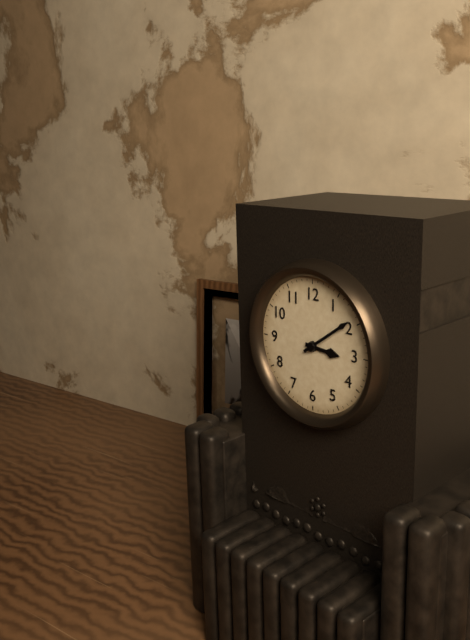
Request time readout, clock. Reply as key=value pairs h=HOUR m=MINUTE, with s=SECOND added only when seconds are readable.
h=3 m=9
